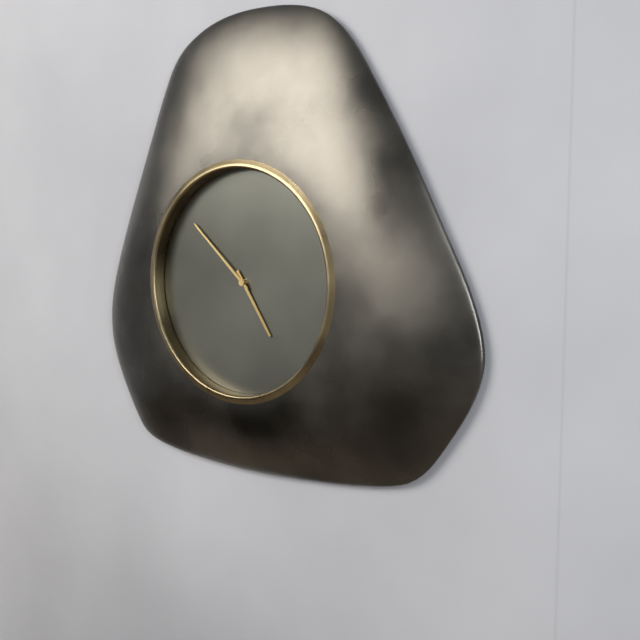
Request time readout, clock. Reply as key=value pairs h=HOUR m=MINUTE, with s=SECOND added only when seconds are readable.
h=4 m=52
